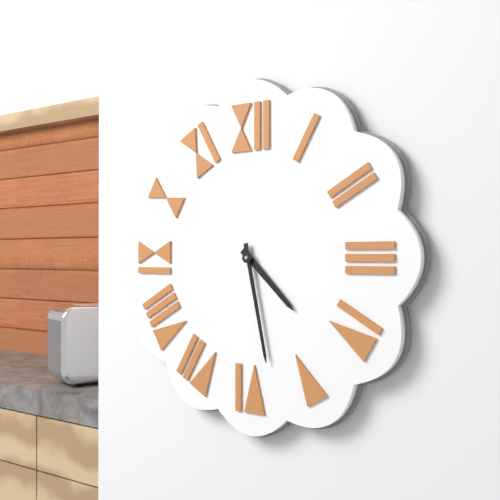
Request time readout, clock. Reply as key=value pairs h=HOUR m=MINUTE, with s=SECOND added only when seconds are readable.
h=4 m=28
